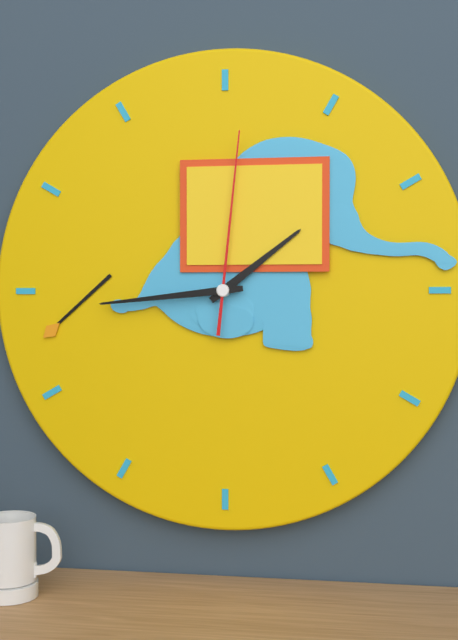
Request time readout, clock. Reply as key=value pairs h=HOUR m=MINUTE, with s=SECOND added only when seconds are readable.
h=1 m=44 s=1
